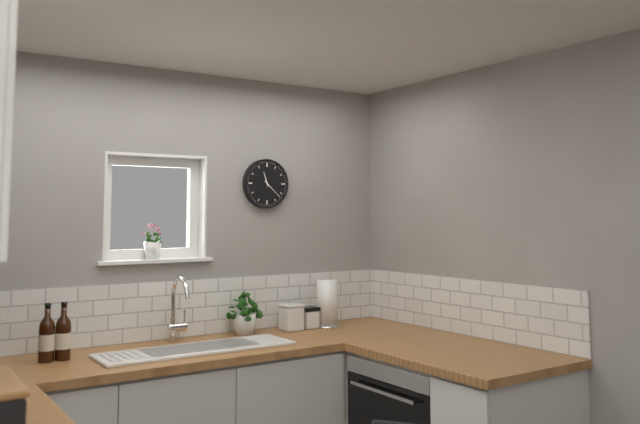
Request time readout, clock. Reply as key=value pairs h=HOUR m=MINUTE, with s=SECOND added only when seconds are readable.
h=11 m=22
